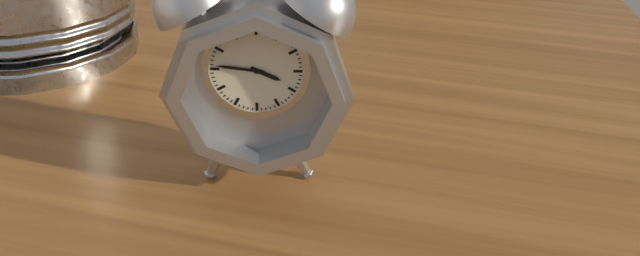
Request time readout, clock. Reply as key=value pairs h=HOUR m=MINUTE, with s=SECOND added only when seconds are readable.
h=3 m=46
